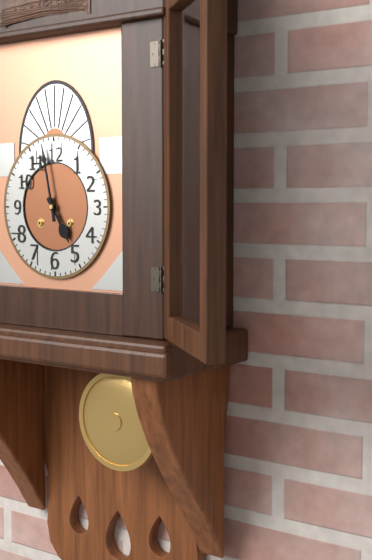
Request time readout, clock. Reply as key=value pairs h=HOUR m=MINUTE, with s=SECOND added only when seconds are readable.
h=4 m=58
